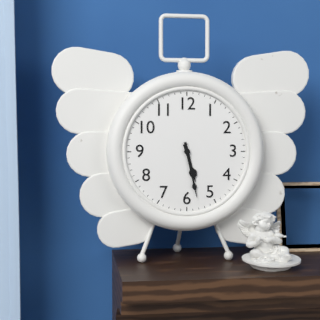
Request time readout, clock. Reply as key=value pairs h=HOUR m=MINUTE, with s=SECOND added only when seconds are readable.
h=5 m=28
